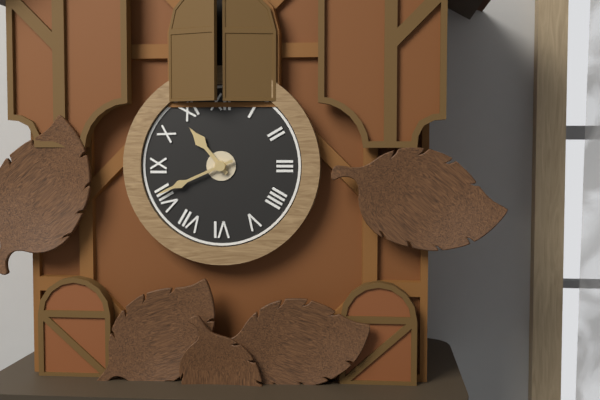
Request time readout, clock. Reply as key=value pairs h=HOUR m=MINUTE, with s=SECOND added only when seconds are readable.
h=10 m=41
